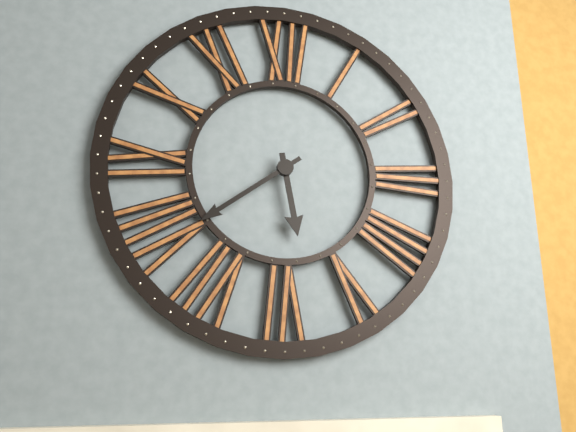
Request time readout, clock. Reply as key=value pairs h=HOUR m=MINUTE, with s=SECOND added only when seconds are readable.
h=5 m=39
